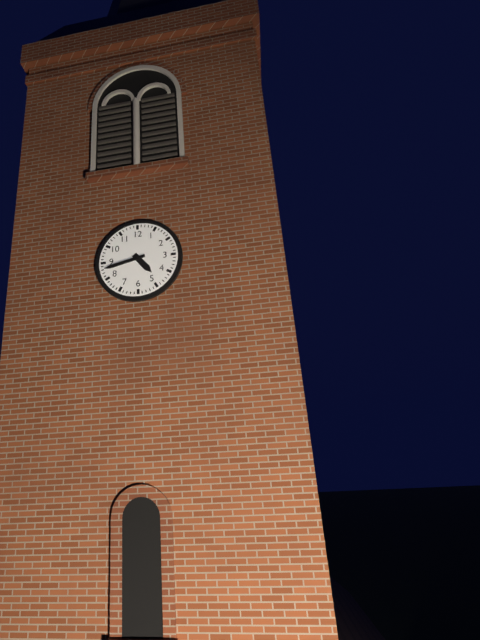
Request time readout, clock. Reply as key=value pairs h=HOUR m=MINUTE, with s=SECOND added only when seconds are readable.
h=4 m=43
